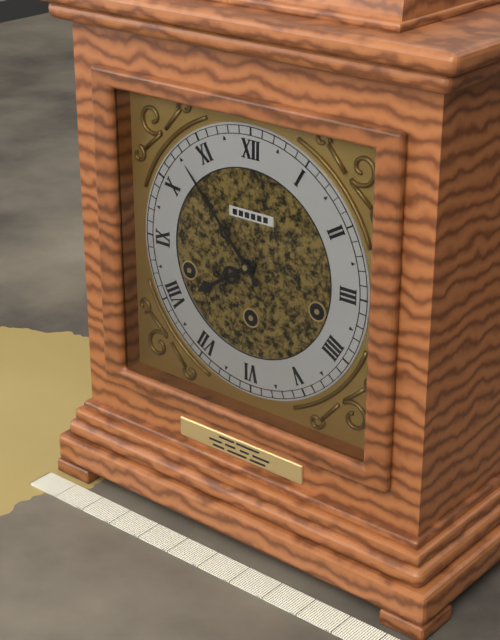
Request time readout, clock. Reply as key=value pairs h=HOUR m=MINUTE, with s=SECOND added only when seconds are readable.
h=7 m=53
